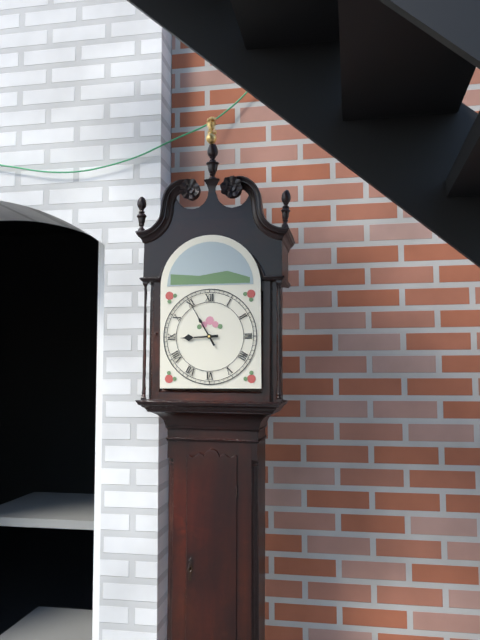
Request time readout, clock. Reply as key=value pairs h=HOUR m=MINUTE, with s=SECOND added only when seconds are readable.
h=8 m=55
